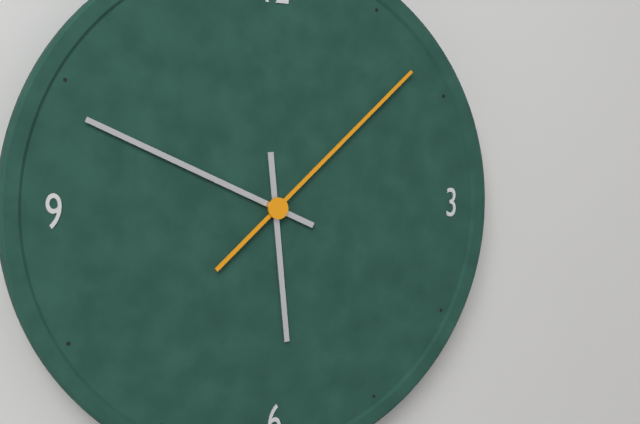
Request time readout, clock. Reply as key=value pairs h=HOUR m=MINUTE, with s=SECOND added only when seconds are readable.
h=5 m=49 s=8
